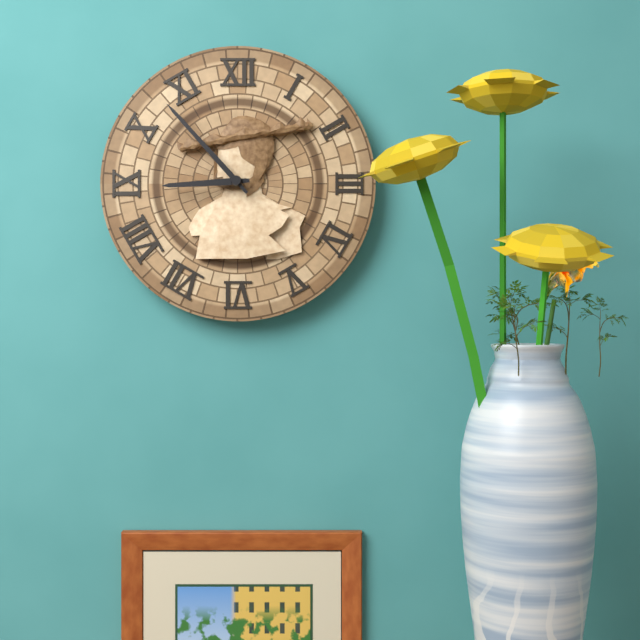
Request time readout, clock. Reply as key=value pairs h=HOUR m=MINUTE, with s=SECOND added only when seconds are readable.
h=8 m=53
